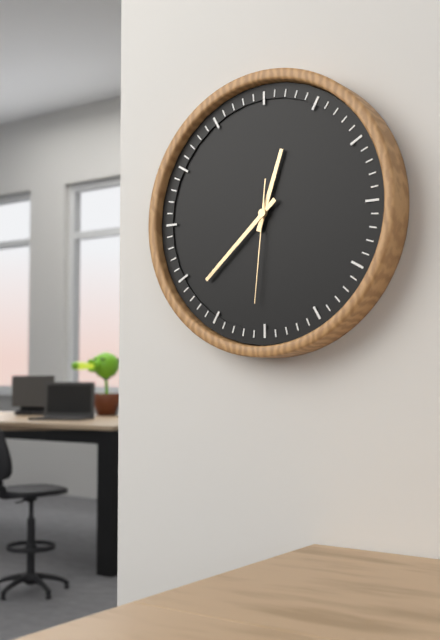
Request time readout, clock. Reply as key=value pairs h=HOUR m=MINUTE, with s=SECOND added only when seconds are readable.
h=12 m=38 s=31
